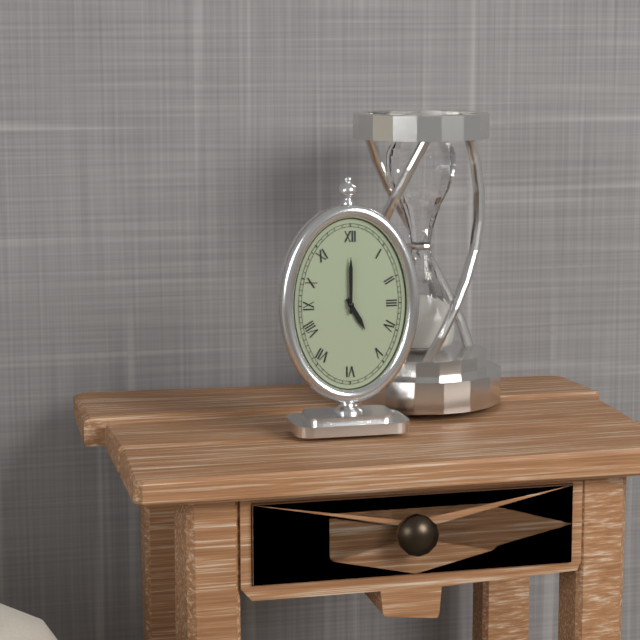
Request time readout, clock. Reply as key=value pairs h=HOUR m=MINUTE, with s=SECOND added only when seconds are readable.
h=5 m=0
